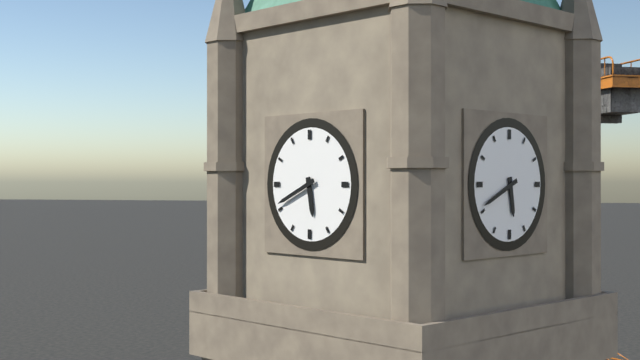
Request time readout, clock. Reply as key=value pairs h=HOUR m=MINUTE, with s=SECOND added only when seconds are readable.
h=5 m=41
